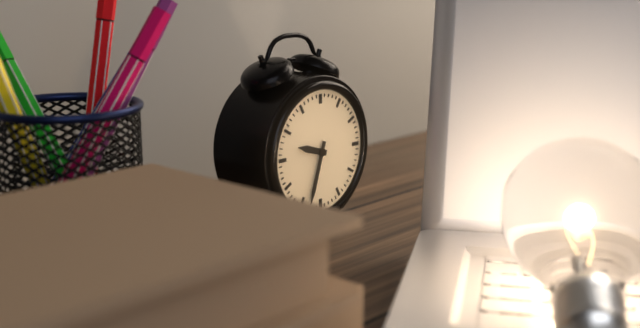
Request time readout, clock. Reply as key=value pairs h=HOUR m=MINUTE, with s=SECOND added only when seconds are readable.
h=9 m=33
